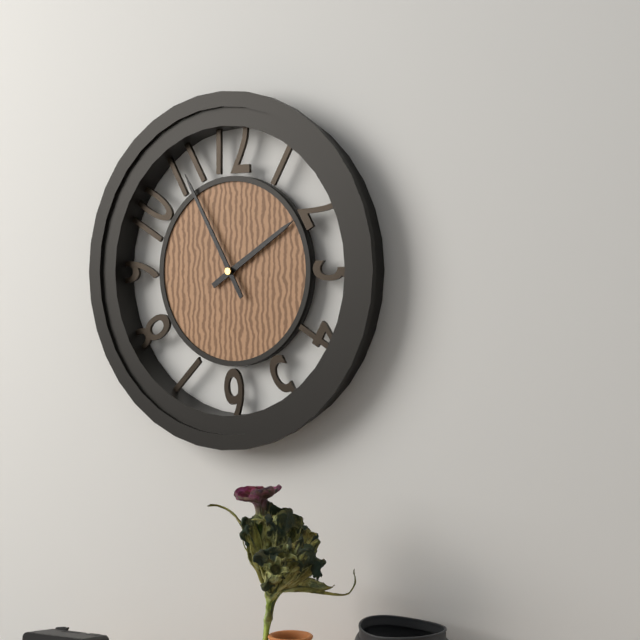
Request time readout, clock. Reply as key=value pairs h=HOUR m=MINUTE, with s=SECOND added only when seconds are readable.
h=1 m=55
